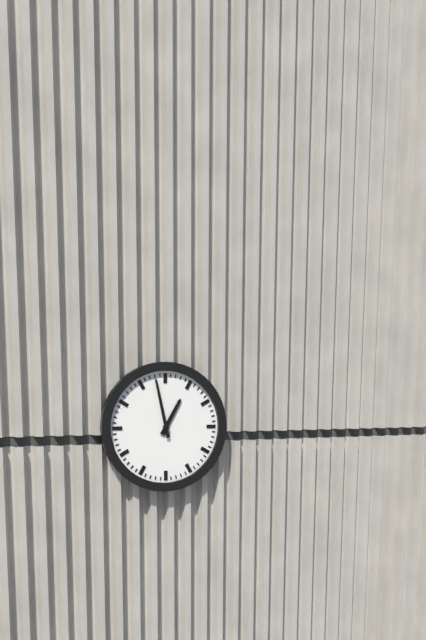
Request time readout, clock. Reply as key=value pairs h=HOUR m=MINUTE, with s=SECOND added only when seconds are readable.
h=12 m=58
